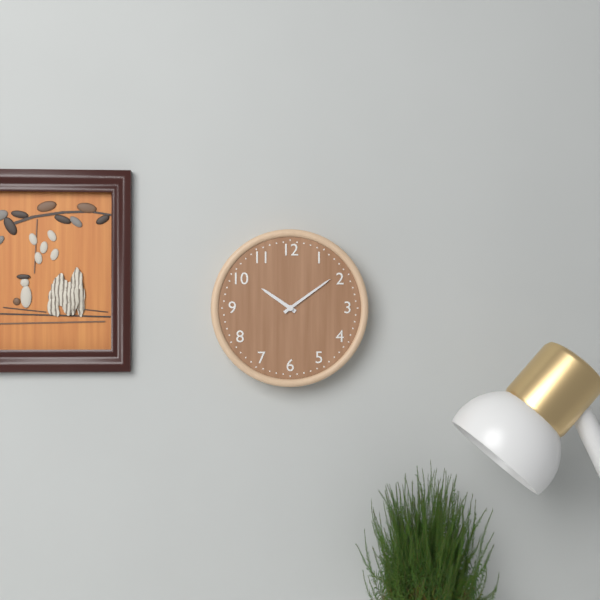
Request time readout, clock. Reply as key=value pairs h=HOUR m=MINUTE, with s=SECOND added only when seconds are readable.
h=10 m=9
